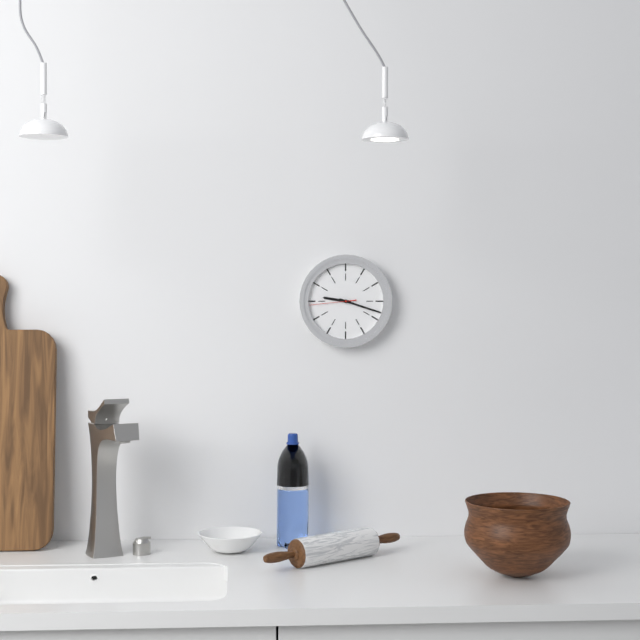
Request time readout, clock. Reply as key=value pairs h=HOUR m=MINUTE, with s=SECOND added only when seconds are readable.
h=9 m=18
